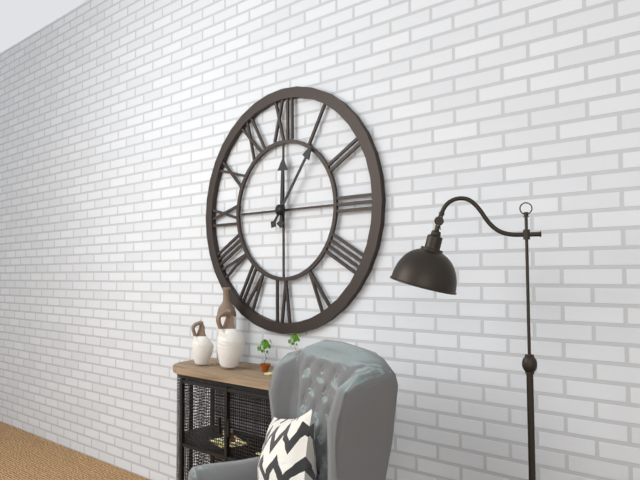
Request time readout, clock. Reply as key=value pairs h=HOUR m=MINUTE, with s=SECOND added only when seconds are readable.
h=12 m=6
